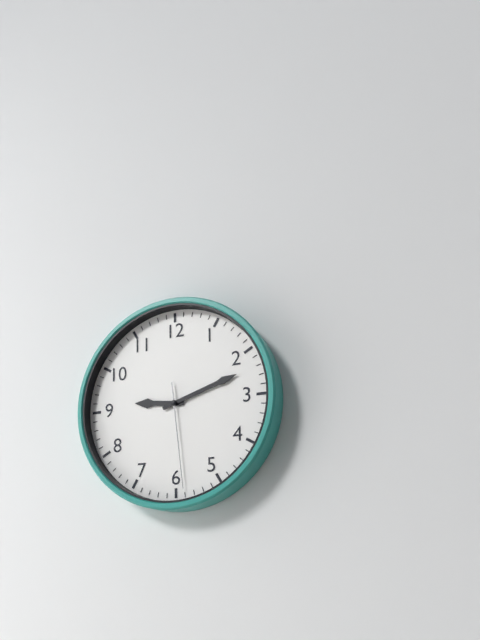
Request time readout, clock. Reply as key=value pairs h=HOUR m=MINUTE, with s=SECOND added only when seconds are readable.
h=9 m=12 s=29
